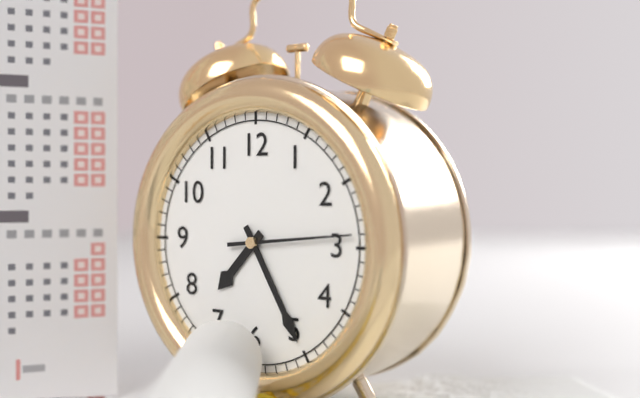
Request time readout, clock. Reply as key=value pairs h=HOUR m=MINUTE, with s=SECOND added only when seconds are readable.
h=7 m=25 s=14
